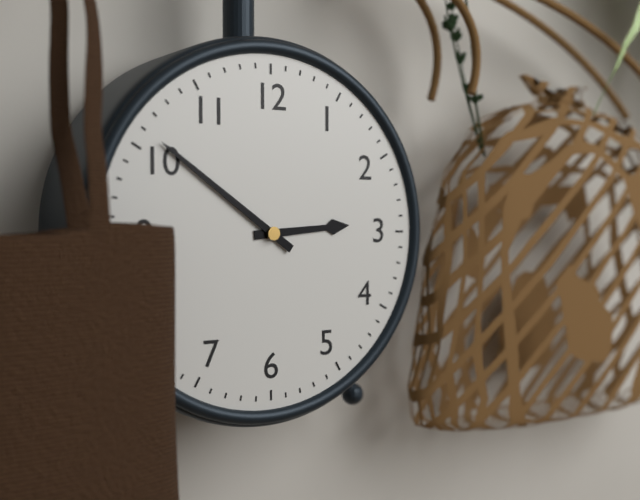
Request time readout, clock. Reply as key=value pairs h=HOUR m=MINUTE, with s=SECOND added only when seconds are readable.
h=2 m=51
